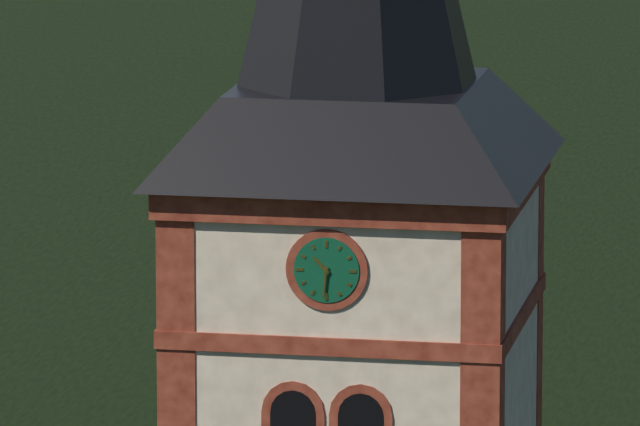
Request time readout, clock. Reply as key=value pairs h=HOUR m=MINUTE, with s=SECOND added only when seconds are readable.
h=10 m=31
